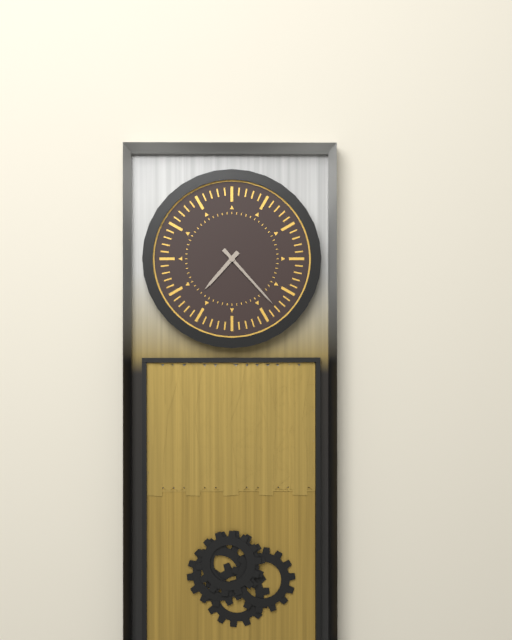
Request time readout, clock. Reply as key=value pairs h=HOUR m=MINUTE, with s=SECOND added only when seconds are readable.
h=7 m=23
